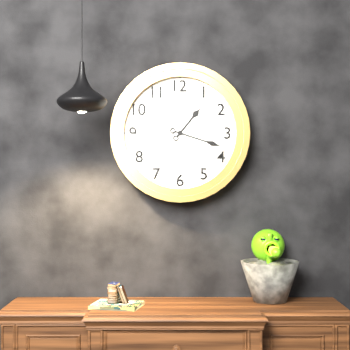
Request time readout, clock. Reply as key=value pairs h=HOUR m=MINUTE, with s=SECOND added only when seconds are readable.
h=1 m=18
